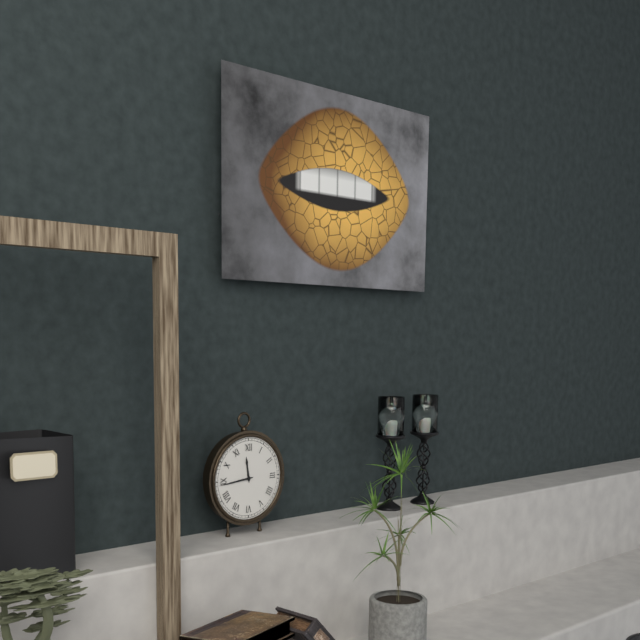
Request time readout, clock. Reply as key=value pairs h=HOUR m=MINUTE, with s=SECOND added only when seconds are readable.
h=11 m=44
